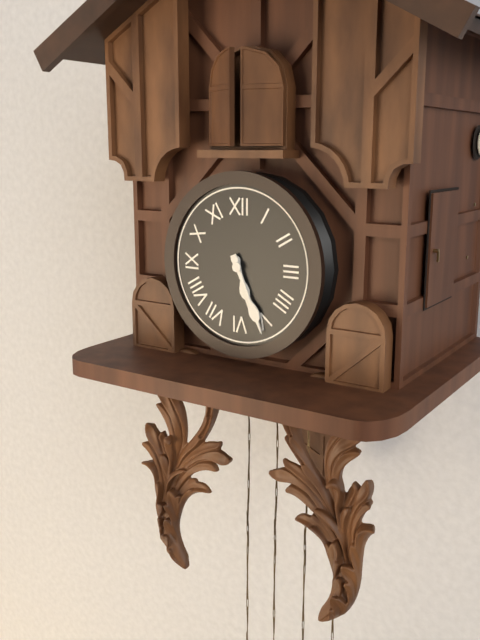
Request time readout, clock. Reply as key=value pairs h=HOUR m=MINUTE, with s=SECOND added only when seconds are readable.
h=5 m=26
